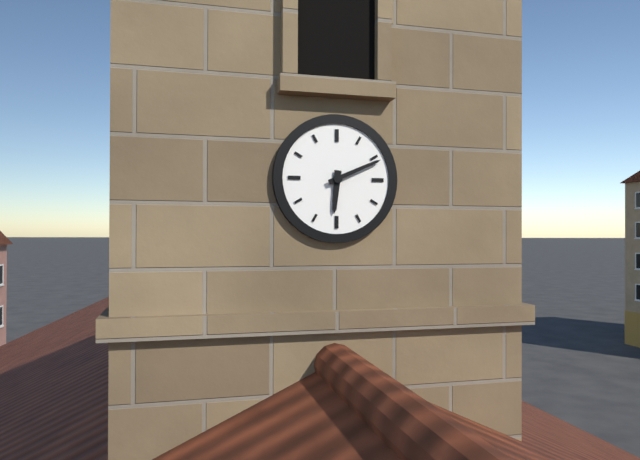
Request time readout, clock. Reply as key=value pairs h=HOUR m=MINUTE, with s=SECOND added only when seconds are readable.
h=6 m=11
